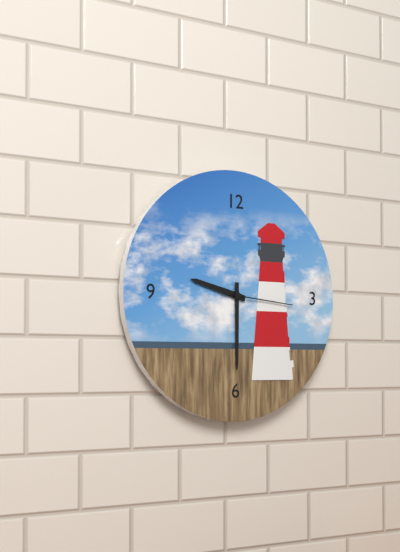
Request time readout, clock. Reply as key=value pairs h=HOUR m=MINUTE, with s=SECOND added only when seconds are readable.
h=9 m=30 s=16
